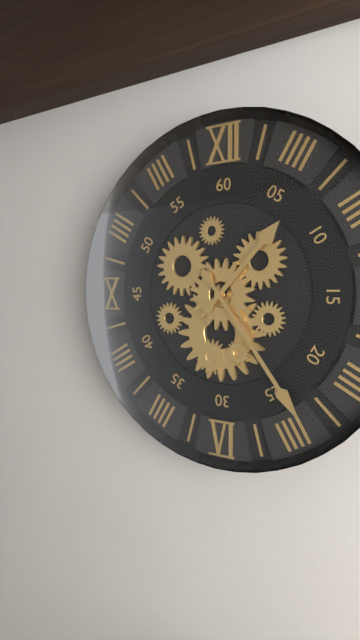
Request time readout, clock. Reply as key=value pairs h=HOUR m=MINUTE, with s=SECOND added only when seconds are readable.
h=1 m=24
